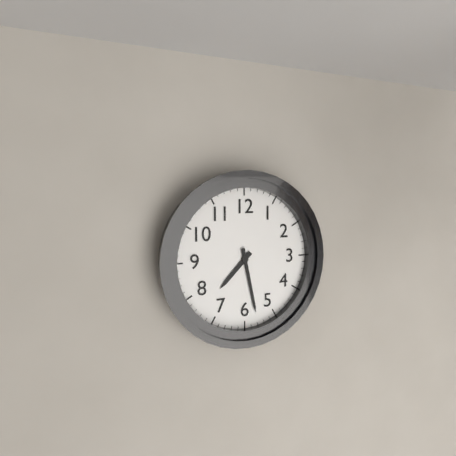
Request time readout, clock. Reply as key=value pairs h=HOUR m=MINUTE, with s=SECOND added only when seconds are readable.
h=7 m=28
